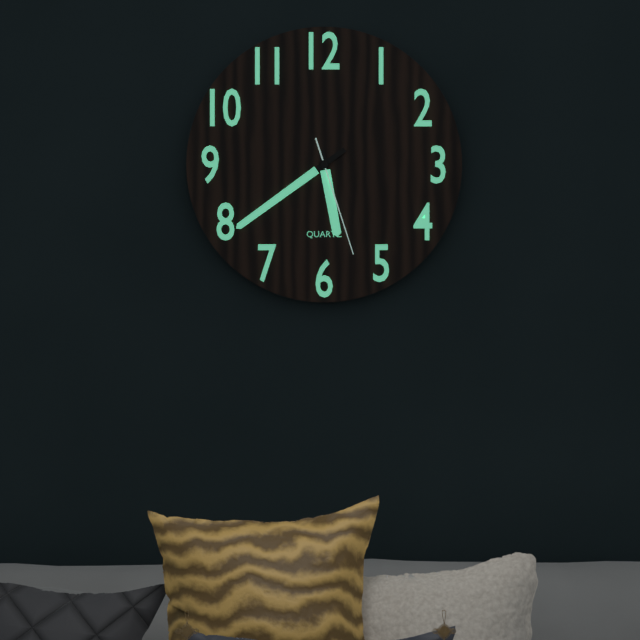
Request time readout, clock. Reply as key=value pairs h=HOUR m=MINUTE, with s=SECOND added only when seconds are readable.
h=5 m=39 s=27
